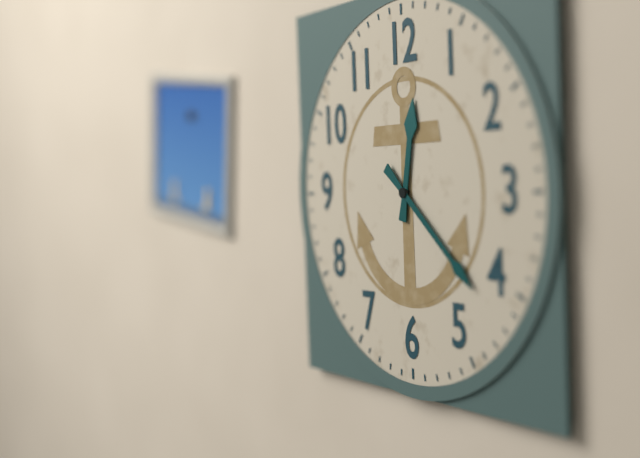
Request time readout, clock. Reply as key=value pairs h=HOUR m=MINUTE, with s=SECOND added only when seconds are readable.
h=12 m=22
